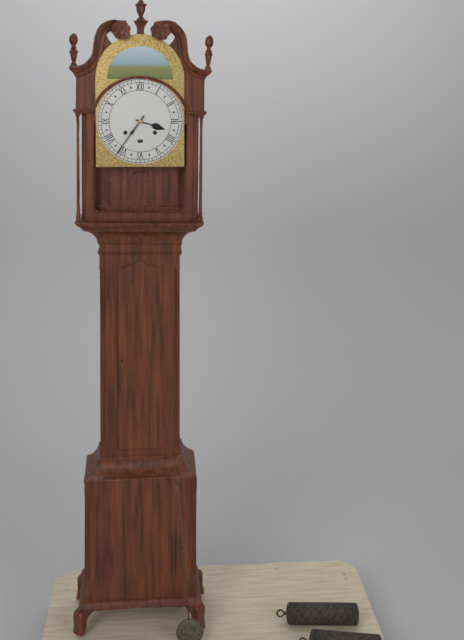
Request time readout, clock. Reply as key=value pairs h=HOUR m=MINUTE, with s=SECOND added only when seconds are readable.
h=3 m=36
